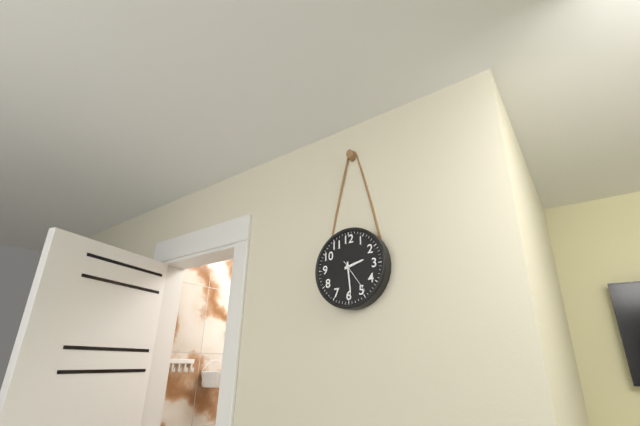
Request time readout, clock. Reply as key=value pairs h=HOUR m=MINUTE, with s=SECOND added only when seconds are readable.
h=2 m=29
